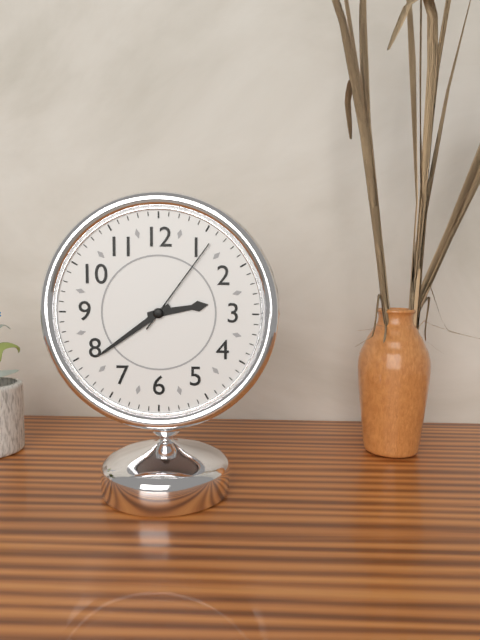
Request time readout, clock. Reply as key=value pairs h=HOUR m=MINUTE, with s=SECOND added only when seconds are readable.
h=2 m=39 s=6
